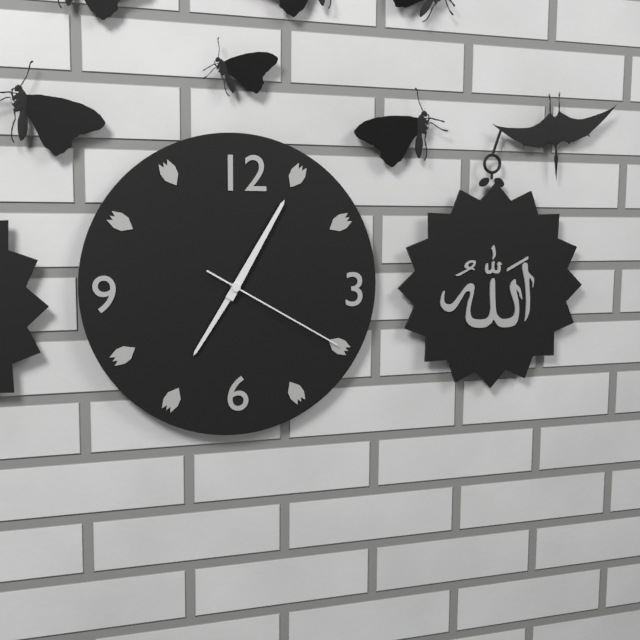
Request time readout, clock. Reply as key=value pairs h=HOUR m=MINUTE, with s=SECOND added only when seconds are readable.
h=7 m=5 s=20
